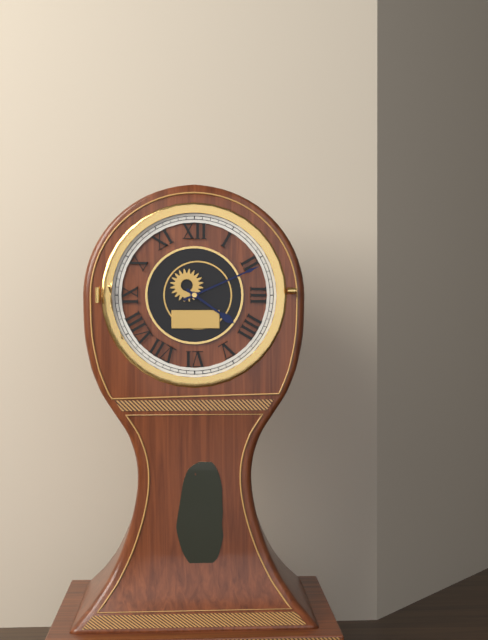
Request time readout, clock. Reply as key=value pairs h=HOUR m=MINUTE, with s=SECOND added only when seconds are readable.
h=4 m=11
